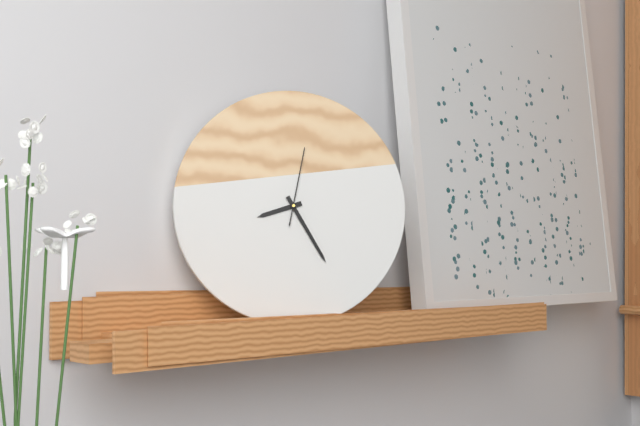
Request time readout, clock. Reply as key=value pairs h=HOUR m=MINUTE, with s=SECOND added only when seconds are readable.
h=8 m=25 s=2
